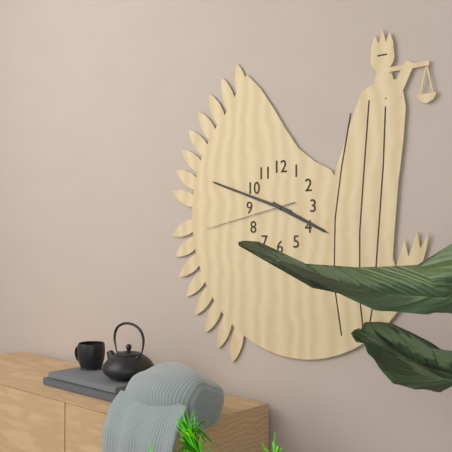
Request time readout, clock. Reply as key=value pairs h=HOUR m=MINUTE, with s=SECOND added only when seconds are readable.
h=3 m=48 s=43
